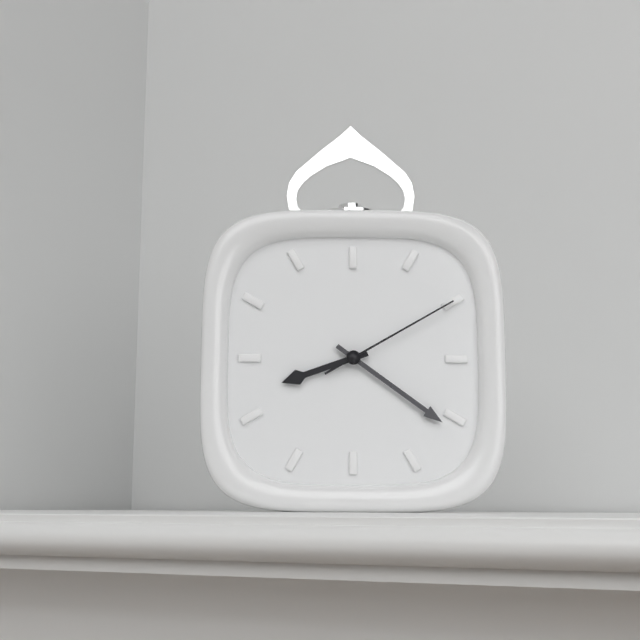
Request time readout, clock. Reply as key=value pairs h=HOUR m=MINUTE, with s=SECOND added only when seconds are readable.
h=8 m=21 s=10
